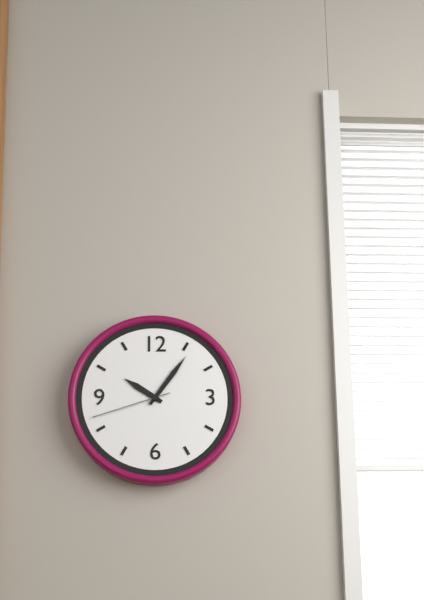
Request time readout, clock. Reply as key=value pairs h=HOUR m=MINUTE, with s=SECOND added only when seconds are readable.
h=10 m=6 s=42
